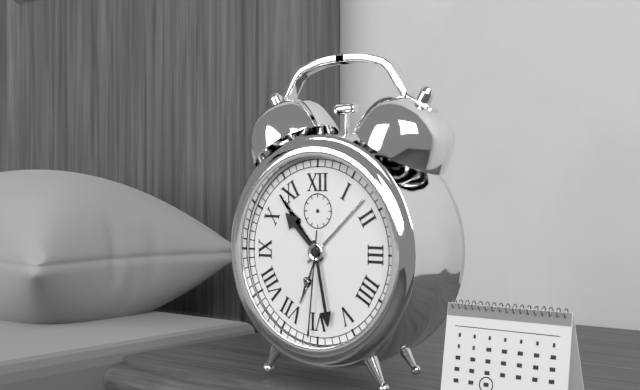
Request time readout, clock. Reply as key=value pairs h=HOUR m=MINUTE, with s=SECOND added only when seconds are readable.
h=10 m=28 s=31
